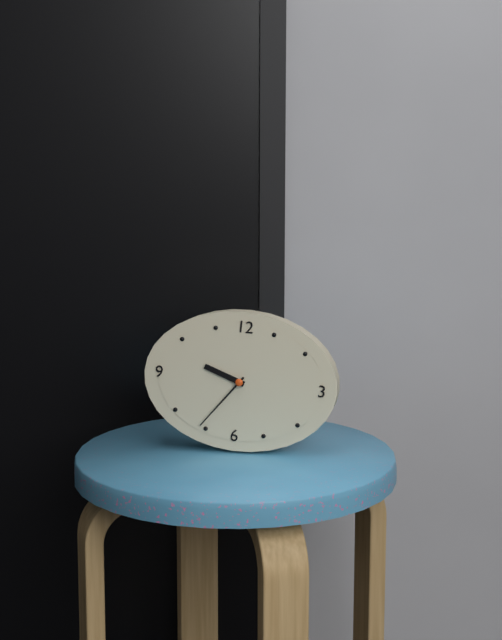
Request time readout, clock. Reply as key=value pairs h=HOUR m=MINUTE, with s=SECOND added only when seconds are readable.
h=9 m=36
